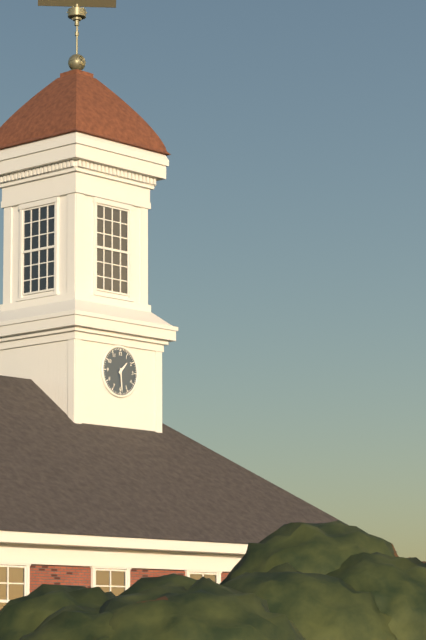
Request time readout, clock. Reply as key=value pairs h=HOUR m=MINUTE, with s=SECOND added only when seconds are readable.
h=1 m=29
